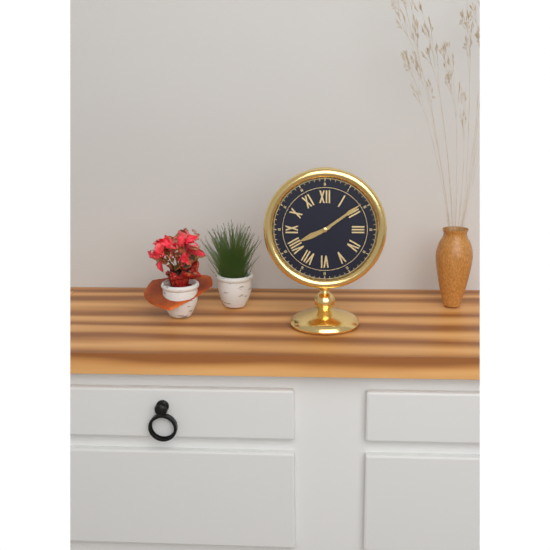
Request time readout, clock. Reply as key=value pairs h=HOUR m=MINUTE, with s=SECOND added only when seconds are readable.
h=8 m=9
